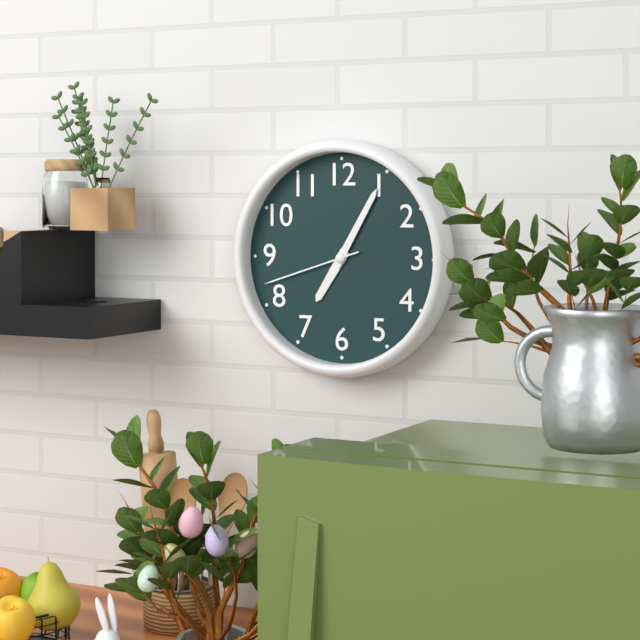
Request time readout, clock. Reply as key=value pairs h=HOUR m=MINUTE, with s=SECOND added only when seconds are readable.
h=7 m=5 s=42
